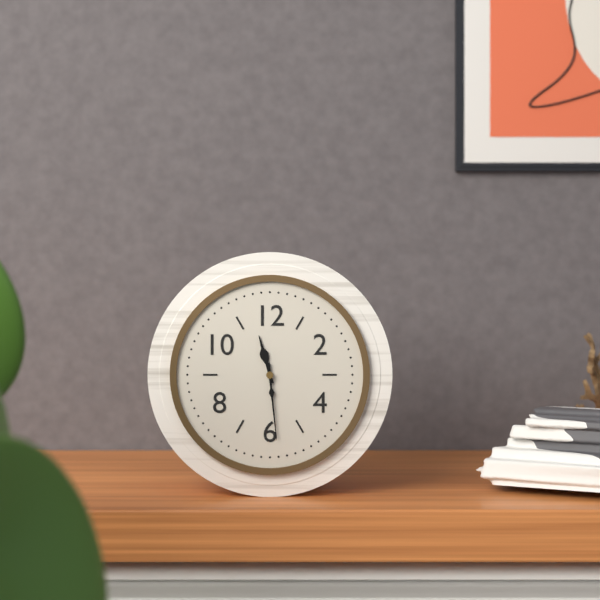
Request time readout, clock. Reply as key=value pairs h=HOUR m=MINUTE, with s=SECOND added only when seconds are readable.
h=11 m=29
